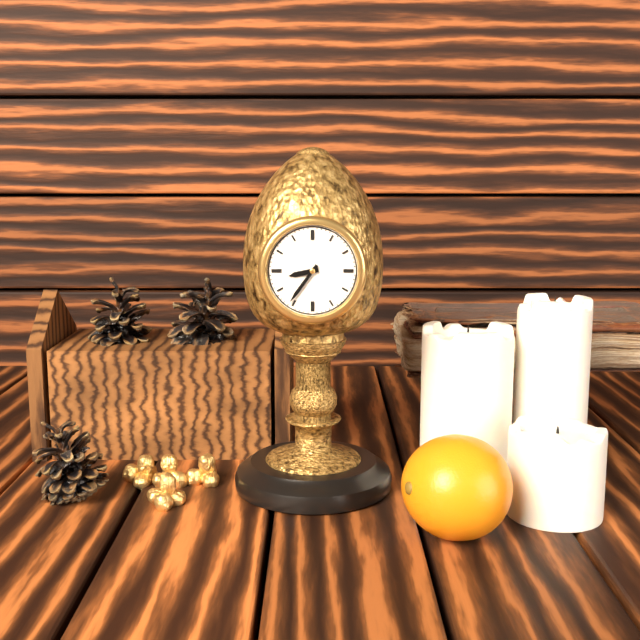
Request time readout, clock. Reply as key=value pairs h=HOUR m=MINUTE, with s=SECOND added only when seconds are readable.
h=8 m=36
